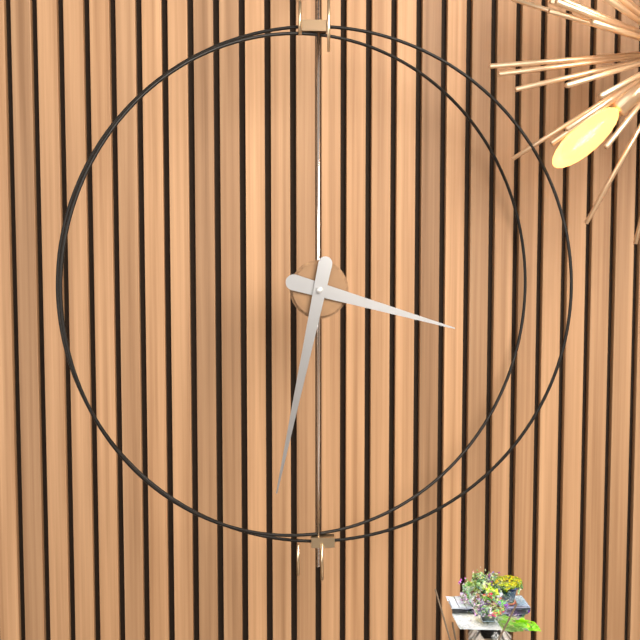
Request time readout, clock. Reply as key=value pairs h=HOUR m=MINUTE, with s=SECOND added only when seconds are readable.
h=3 m=32
